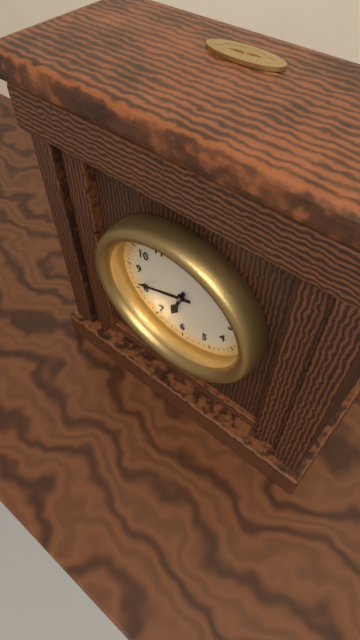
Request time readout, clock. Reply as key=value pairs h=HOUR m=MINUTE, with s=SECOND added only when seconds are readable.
h=6 m=42
